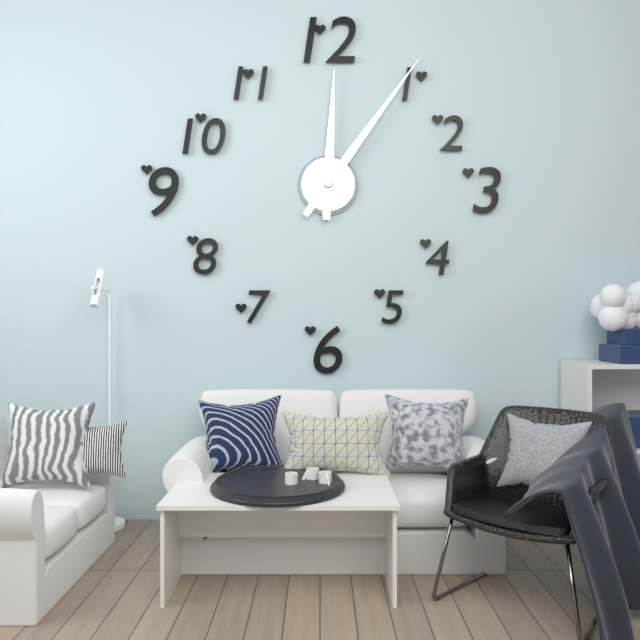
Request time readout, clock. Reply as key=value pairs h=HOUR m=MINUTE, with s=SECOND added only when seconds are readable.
h=12 m=6
